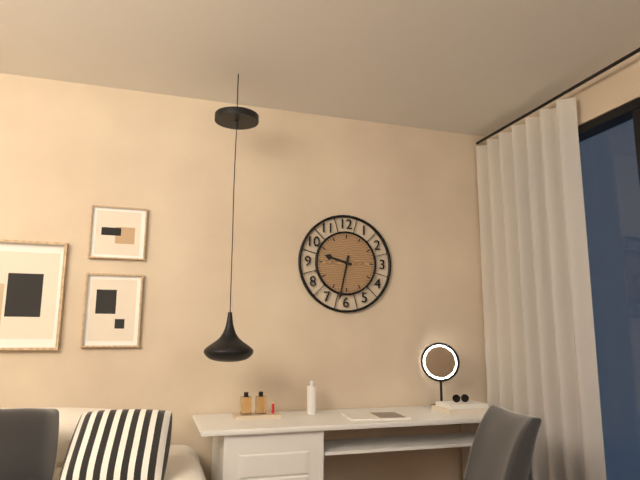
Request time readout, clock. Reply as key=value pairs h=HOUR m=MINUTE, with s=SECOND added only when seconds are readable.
h=9 m=32
